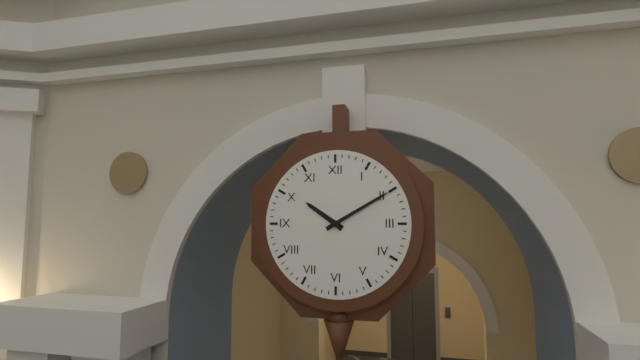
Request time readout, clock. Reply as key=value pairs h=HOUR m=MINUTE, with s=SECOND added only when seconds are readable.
h=10 m=10
